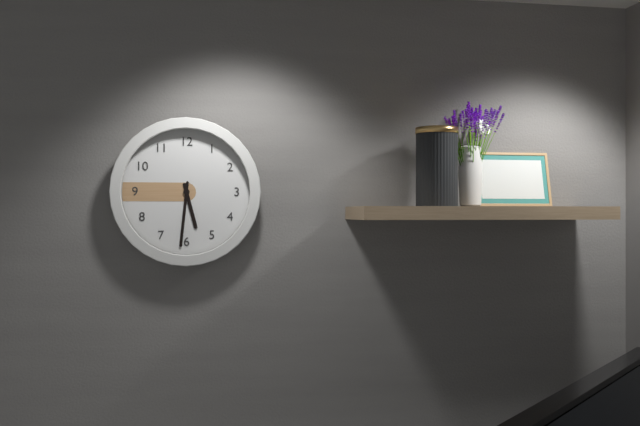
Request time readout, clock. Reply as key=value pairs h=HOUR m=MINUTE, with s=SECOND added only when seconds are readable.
h=5 m=31
